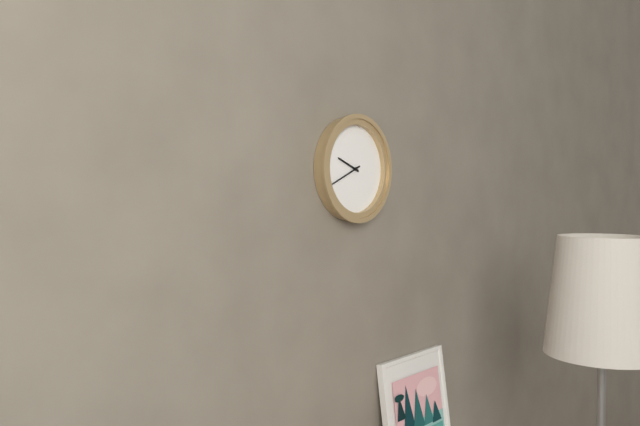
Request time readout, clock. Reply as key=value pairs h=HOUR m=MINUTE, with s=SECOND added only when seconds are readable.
h=9 m=41
